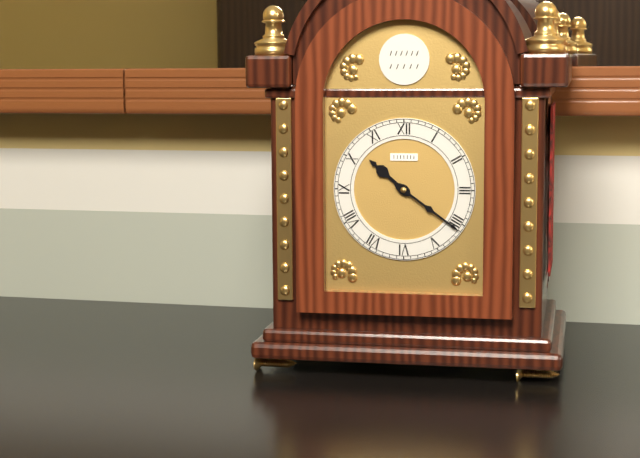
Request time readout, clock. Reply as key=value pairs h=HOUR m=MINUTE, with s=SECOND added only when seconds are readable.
h=10 m=21
